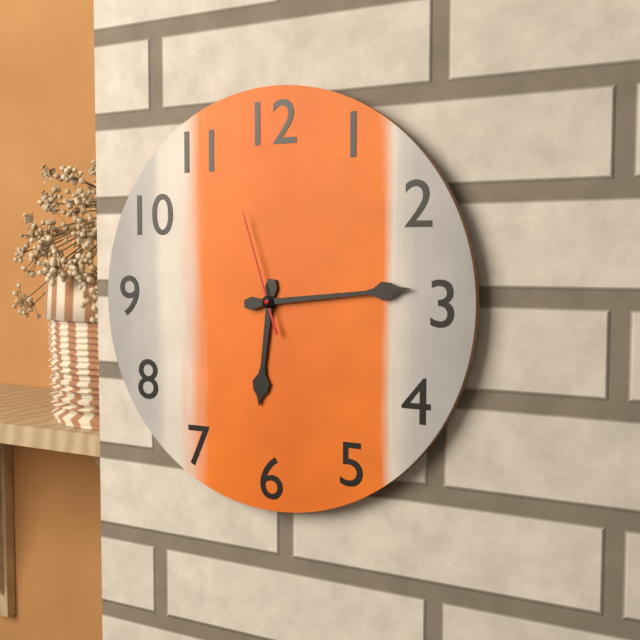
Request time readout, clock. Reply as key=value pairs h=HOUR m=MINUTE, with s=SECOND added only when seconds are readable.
h=6 m=14 s=57
